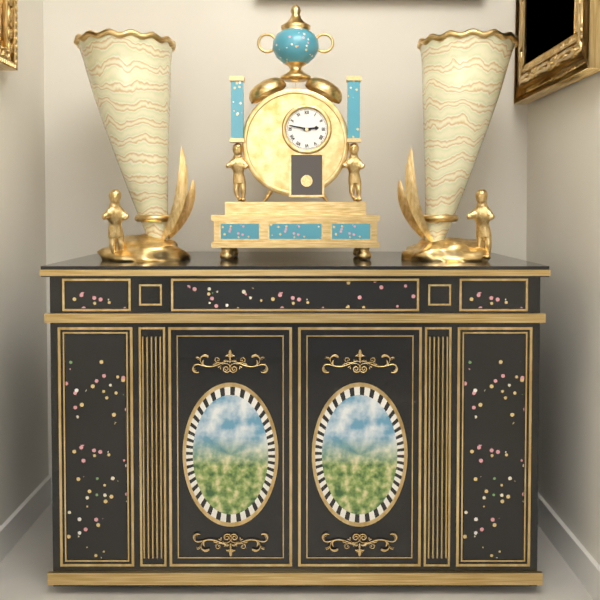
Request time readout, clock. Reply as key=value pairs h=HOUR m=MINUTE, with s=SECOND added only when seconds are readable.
h=2 m=47
